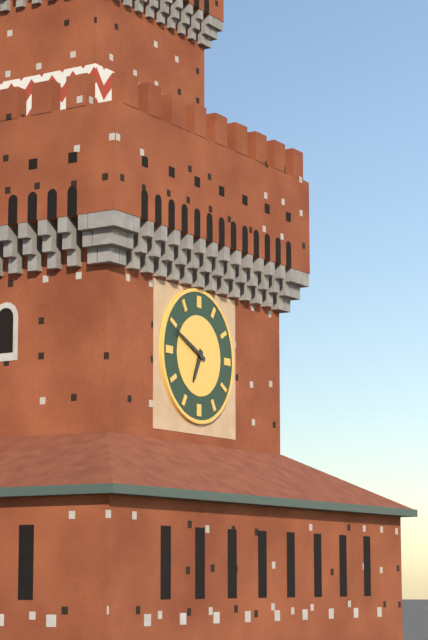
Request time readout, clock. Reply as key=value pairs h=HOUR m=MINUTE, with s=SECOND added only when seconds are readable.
h=6 m=49
